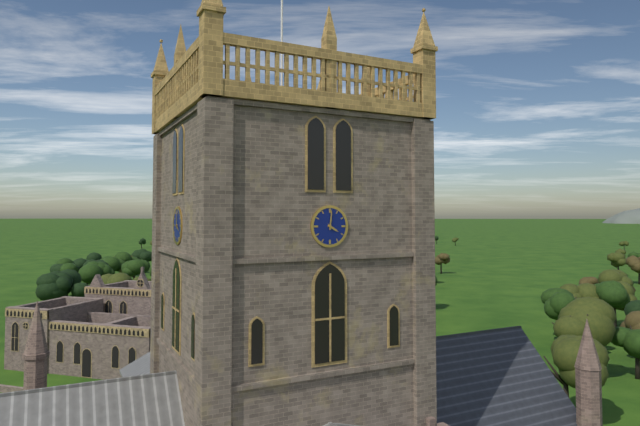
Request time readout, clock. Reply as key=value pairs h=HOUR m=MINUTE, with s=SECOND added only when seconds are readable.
h=4 m=1
